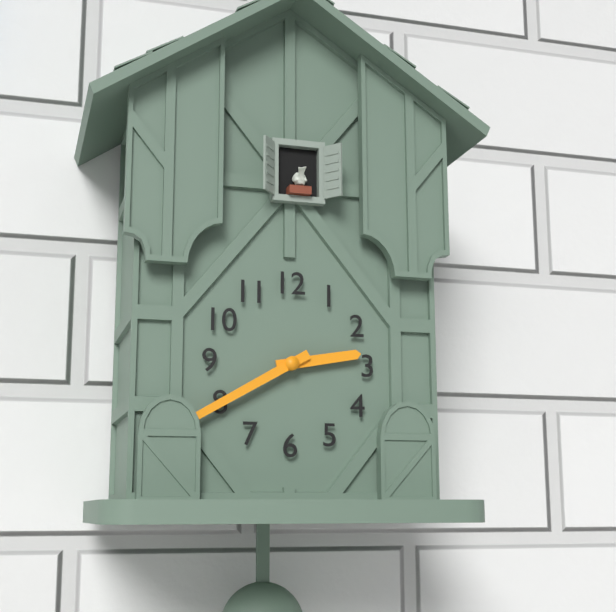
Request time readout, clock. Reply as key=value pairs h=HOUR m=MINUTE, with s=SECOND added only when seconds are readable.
h=2 m=40
